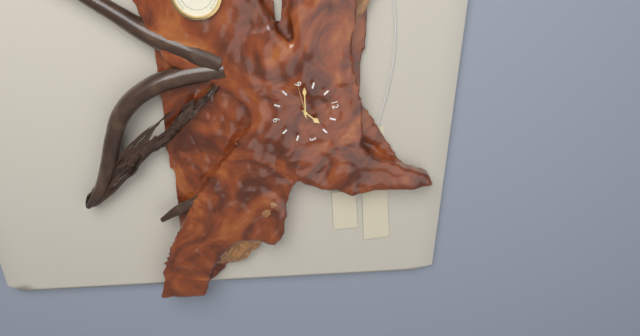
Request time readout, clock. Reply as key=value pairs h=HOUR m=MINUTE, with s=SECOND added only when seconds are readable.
h=1 m=47
